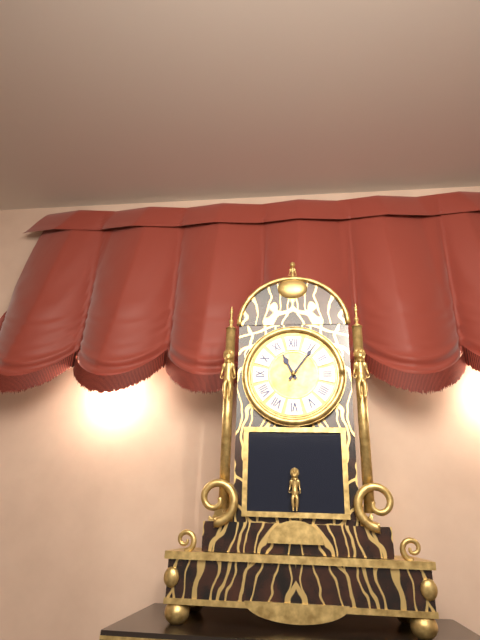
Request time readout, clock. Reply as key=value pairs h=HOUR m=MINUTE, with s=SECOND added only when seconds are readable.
h=11 m=6
